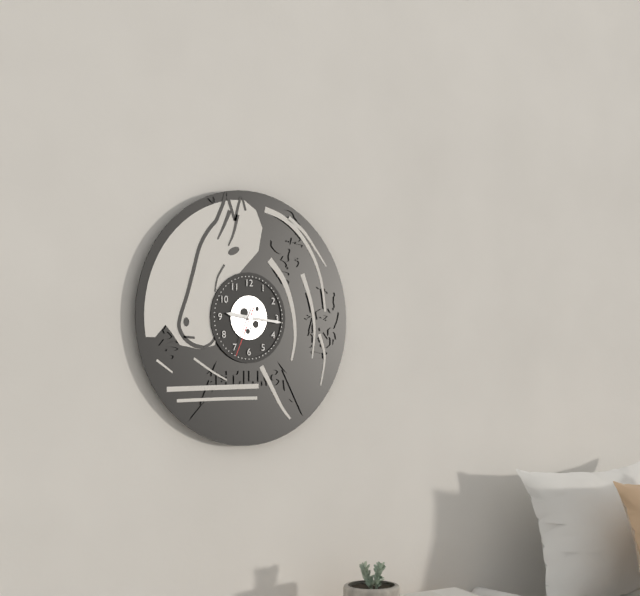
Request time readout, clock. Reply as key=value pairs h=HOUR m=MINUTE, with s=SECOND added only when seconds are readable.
h=9 m=16 s=34
